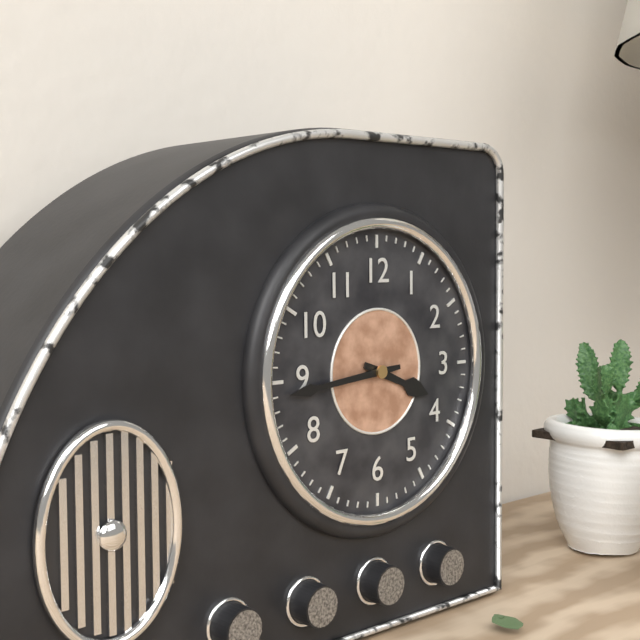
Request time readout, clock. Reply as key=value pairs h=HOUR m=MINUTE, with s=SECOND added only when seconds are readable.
h=3 m=44
